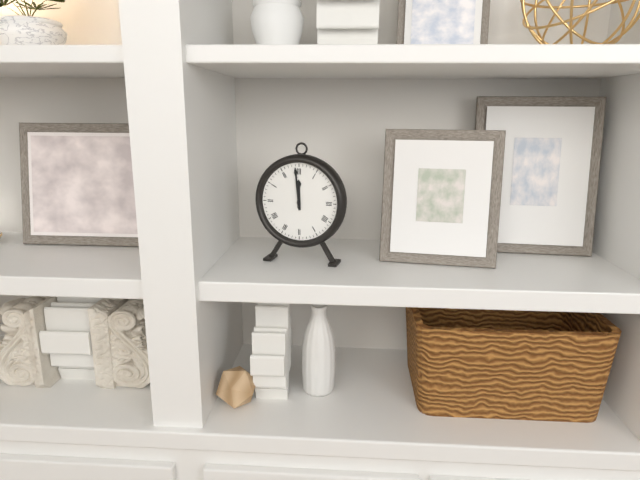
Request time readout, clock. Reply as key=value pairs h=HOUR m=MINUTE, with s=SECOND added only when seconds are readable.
h=11 m=59
